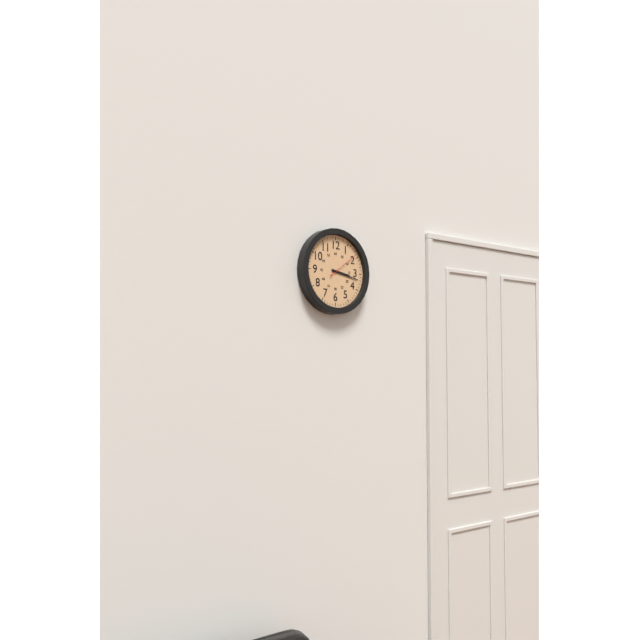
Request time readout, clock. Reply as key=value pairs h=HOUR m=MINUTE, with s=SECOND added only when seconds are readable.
h=3 m=17
